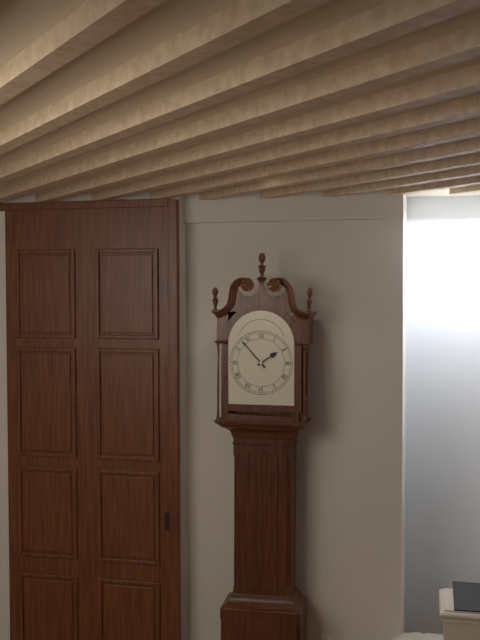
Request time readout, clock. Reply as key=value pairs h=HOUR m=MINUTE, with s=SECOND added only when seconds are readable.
h=1 m=53
